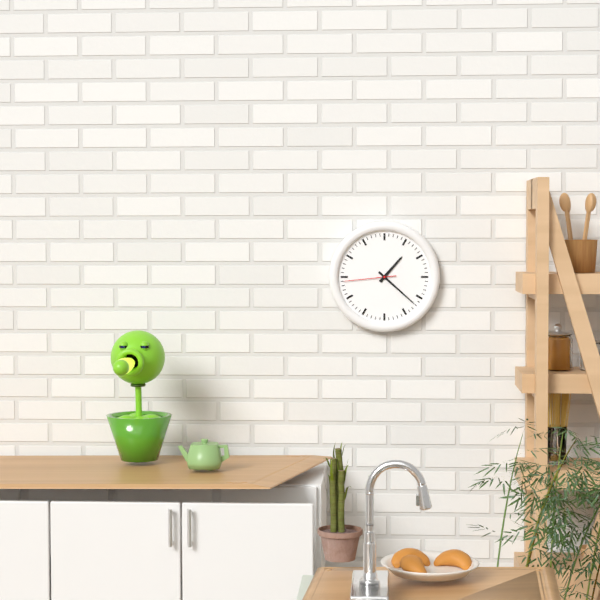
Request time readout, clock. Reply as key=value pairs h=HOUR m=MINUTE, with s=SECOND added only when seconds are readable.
h=1 m=22 s=44
